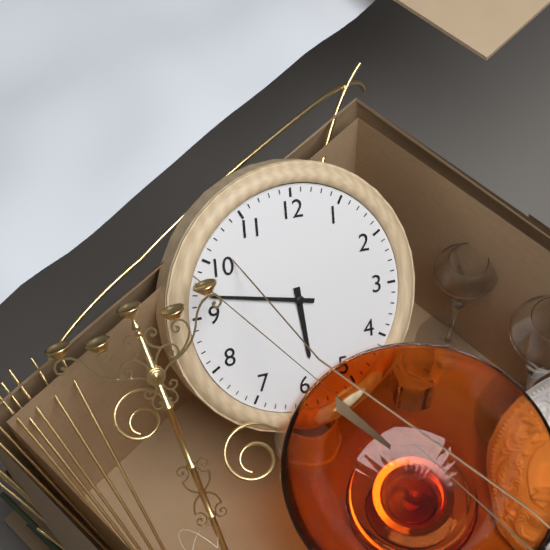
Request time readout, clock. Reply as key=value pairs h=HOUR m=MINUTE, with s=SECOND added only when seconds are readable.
h=5 m=47
